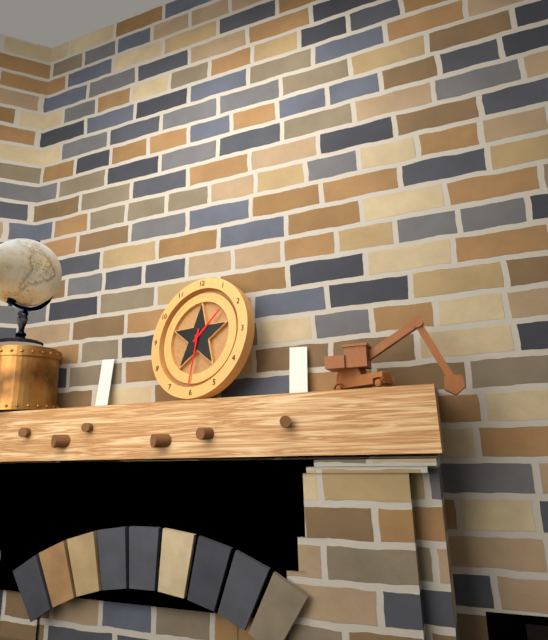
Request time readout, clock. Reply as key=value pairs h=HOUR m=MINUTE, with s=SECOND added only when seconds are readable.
h=1 m=31
